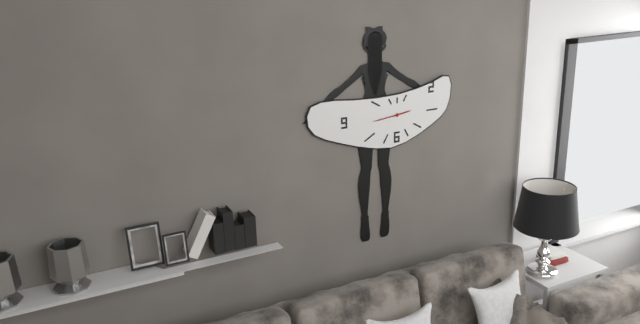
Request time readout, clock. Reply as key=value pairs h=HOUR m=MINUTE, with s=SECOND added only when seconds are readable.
h=2 m=44
